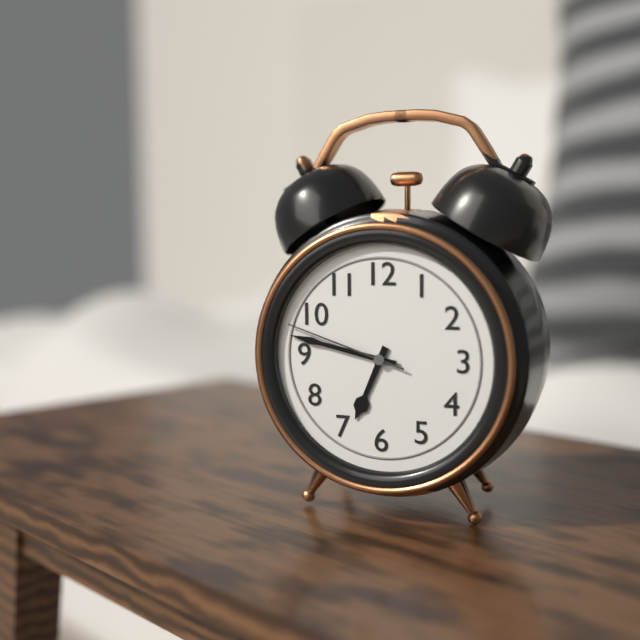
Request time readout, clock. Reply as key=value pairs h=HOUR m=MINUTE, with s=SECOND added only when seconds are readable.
h=6 m=47 s=48
